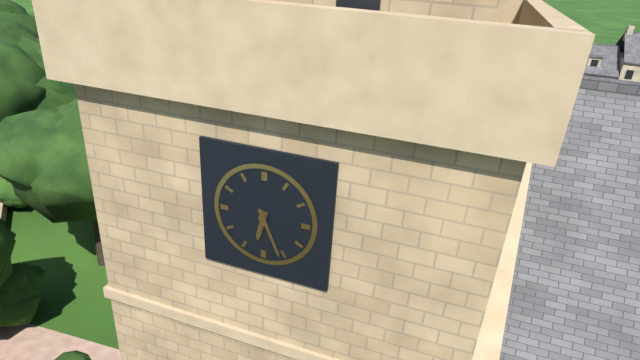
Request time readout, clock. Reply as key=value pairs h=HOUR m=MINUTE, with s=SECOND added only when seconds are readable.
h=6 m=26
